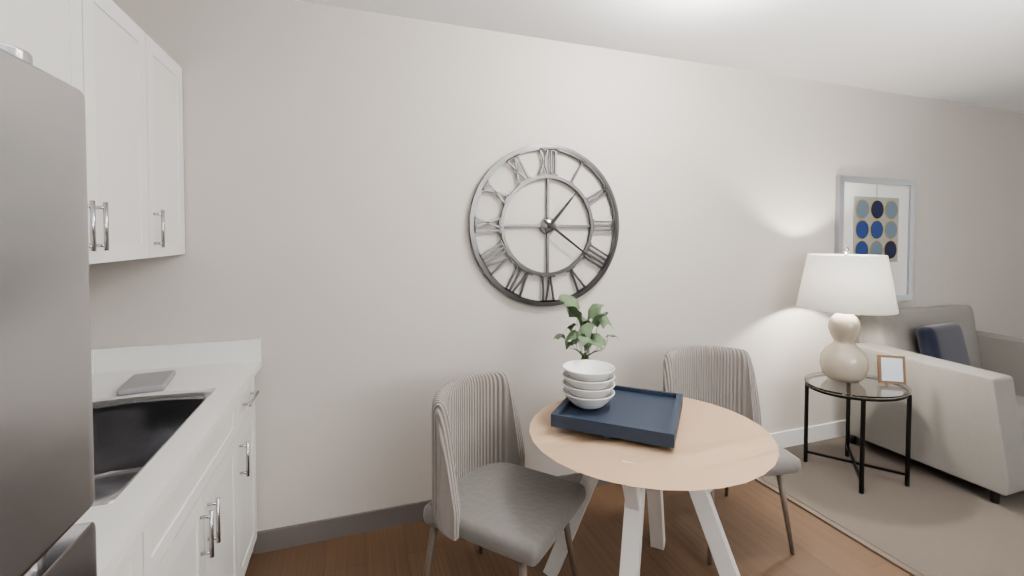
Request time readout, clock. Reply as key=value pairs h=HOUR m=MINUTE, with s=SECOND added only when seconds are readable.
h=1 m=21
